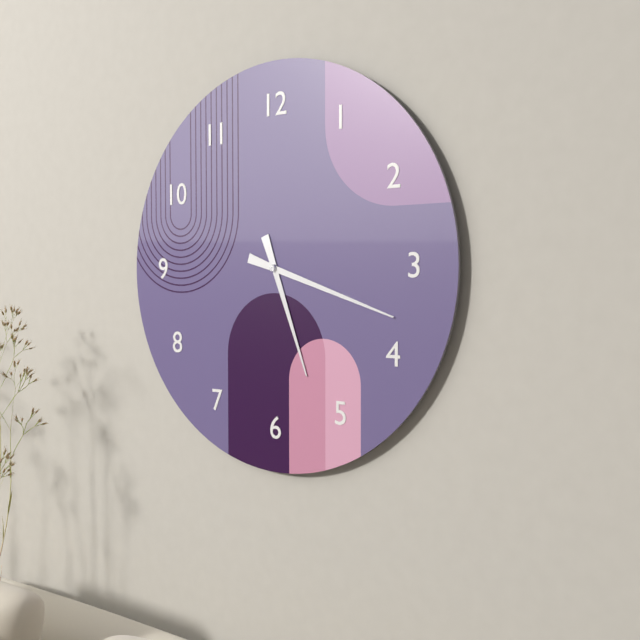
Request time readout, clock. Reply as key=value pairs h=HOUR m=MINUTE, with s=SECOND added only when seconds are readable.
h=5 m=18
